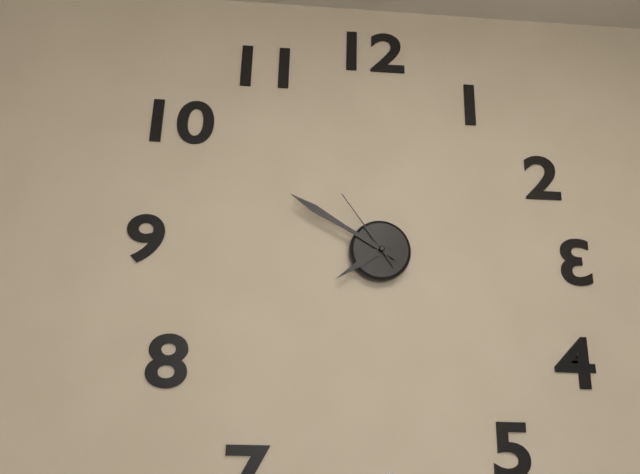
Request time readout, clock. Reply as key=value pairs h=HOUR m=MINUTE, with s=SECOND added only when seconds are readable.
h=7 m=50 s=54
